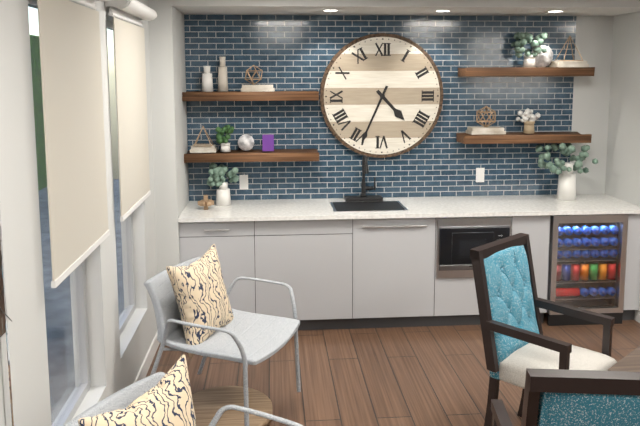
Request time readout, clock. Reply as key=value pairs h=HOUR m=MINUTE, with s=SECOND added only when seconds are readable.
h=4 m=34
